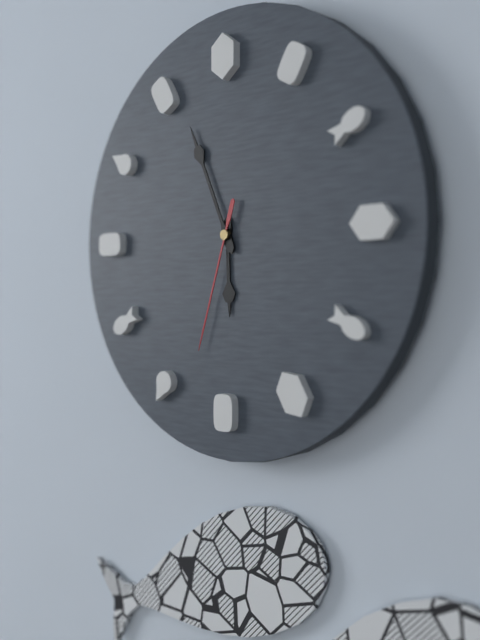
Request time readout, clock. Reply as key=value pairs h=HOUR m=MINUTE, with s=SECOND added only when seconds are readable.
h=5 m=56 s=33
